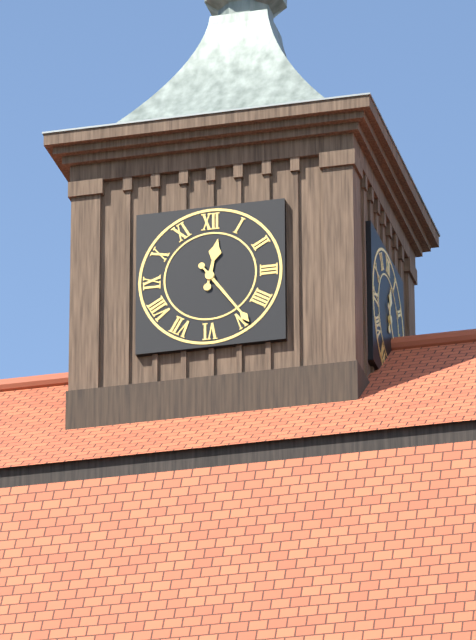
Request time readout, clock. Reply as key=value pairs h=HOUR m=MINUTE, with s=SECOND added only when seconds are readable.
h=12 m=24
